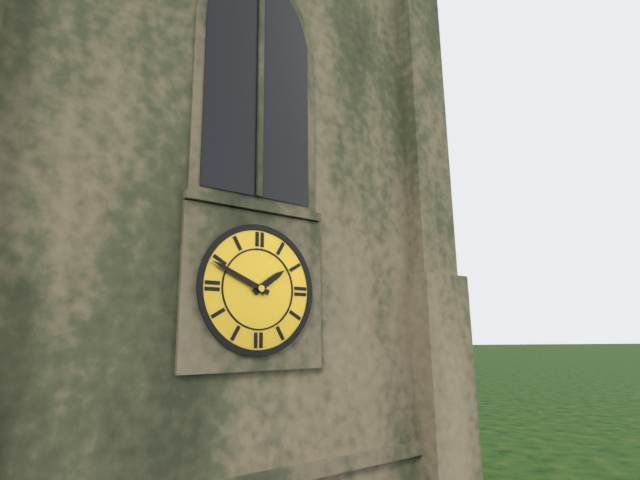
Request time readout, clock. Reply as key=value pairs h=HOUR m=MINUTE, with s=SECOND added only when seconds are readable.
h=1 m=49
